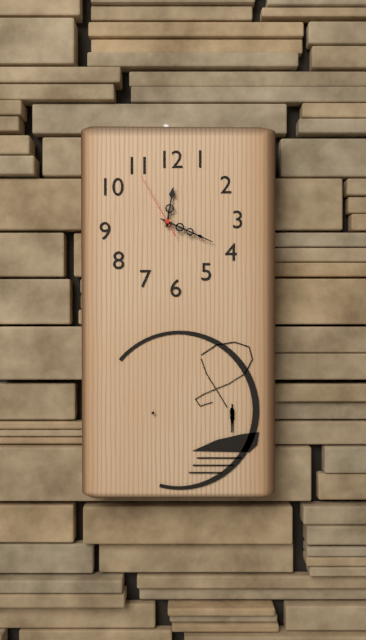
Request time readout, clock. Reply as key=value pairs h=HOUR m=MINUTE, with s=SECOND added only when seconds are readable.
h=12 m=19 s=55
